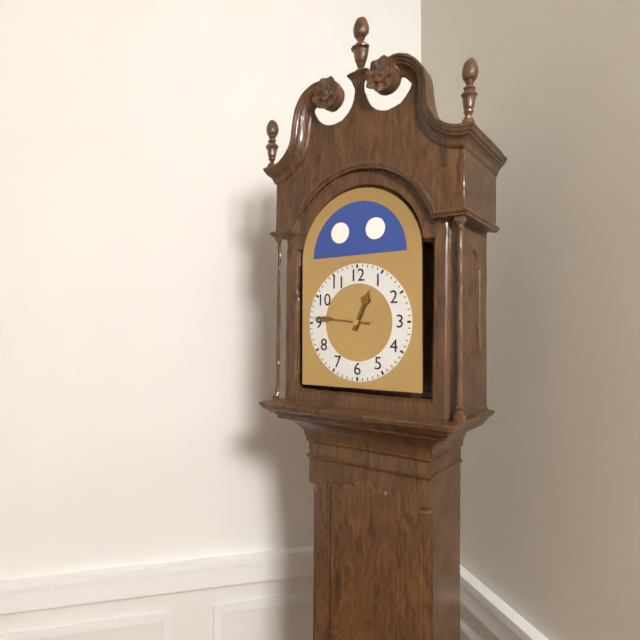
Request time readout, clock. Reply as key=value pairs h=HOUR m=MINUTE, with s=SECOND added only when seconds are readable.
h=12 m=46
